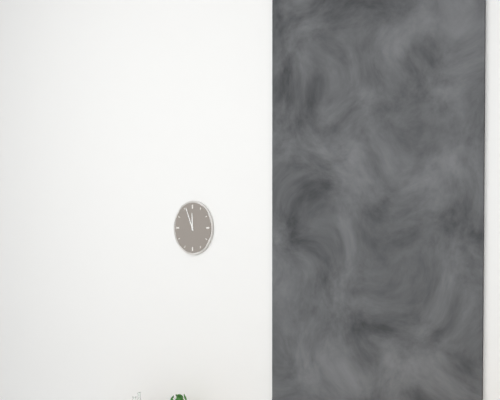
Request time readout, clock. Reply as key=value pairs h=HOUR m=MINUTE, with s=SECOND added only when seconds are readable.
h=11 m=56
